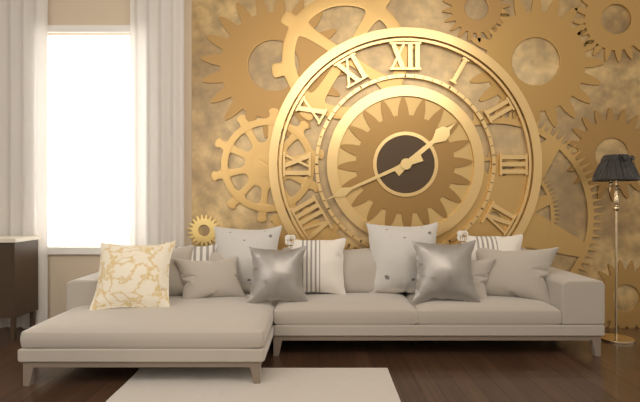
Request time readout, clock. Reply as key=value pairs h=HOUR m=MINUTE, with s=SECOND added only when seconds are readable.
h=1 m=41
